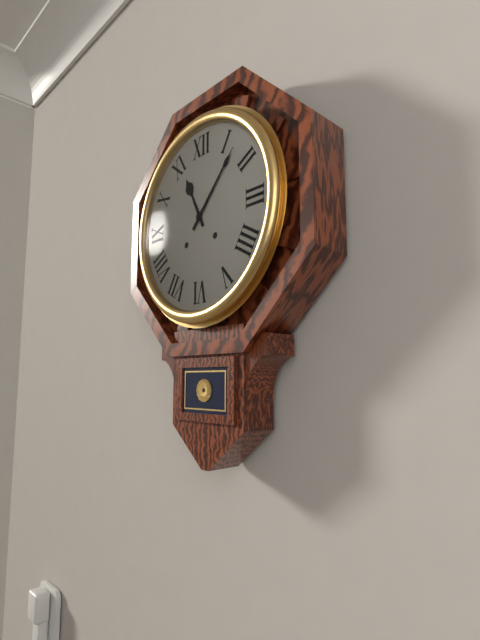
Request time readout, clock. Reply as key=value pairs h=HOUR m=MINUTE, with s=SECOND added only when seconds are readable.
h=11 m=7
